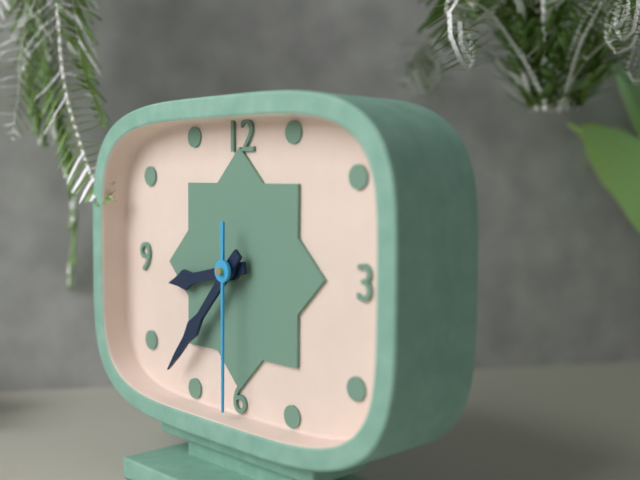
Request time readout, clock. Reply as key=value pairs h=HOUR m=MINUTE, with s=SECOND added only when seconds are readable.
h=8 m=37 s=30
